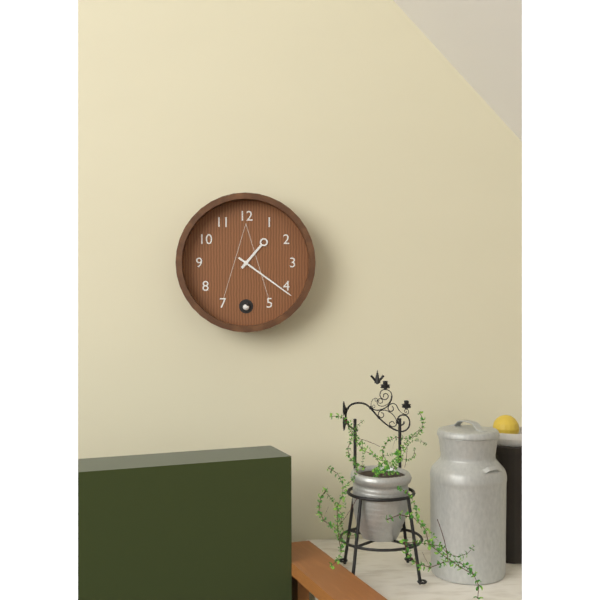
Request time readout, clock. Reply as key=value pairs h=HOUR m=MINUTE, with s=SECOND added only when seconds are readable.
h=1 m=21
